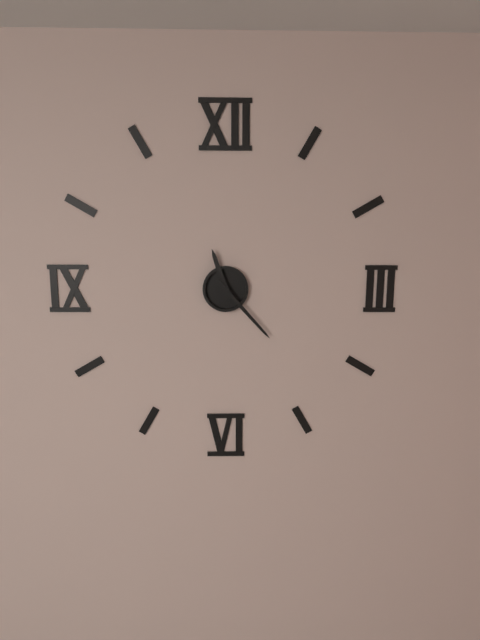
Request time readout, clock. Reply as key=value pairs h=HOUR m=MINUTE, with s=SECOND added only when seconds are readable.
h=11 m=23
